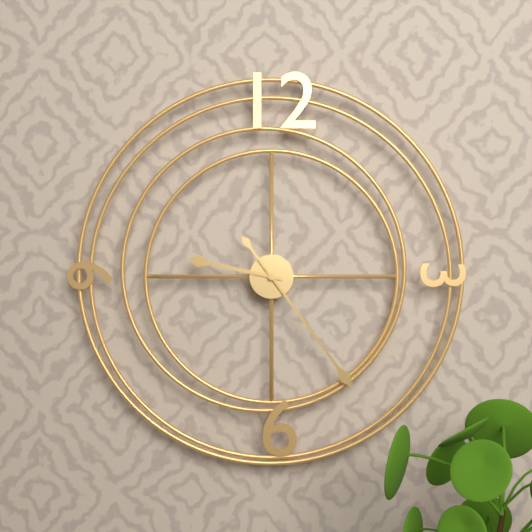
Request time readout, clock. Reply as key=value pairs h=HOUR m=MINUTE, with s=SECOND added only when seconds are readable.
h=9 m=24
